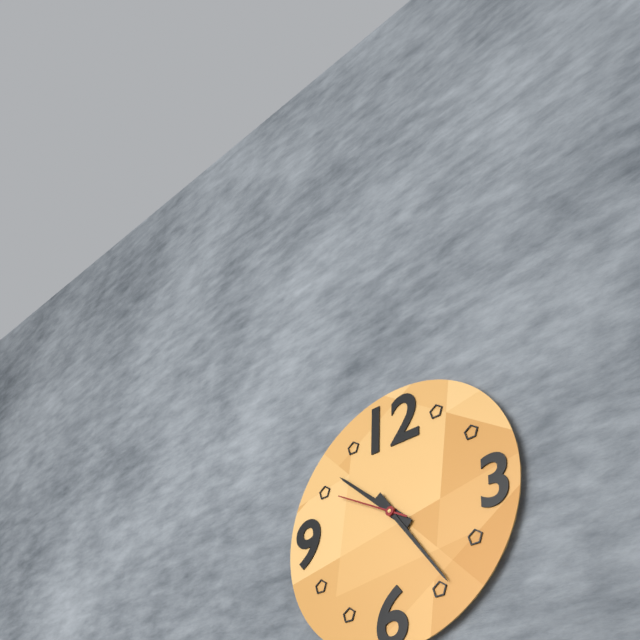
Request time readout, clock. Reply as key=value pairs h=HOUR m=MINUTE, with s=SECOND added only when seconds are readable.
h=10 m=24 s=50
